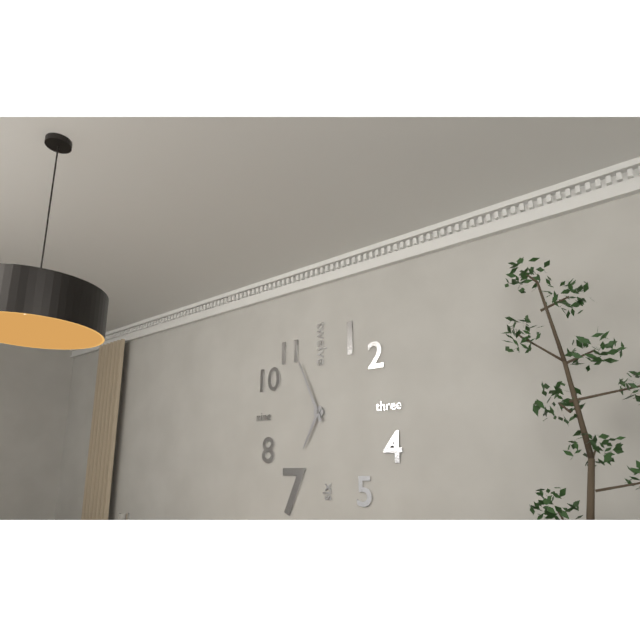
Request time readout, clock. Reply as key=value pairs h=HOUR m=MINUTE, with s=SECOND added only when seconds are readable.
h=6 m=56
